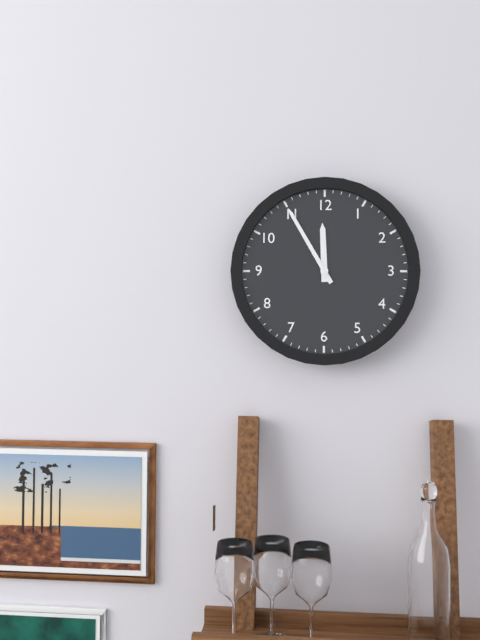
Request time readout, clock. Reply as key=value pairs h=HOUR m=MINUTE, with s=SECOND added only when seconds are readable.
h=11 m=55
